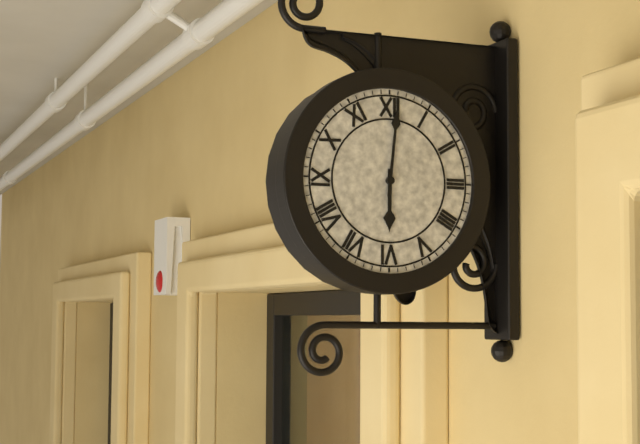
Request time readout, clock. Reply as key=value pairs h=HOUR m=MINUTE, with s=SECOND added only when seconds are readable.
h=6 m=1
